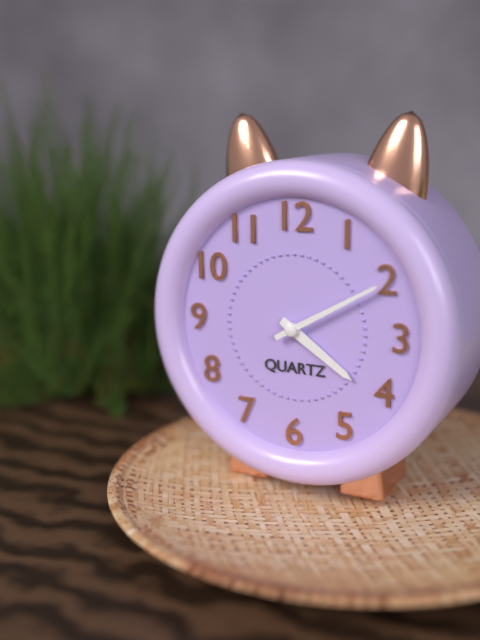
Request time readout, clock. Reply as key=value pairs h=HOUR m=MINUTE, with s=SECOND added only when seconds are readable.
h=4 m=10
